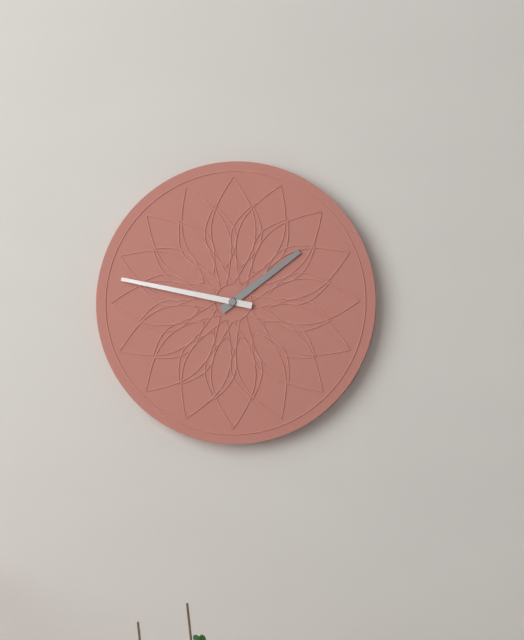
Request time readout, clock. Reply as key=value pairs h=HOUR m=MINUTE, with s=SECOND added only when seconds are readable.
h=1 m=47
